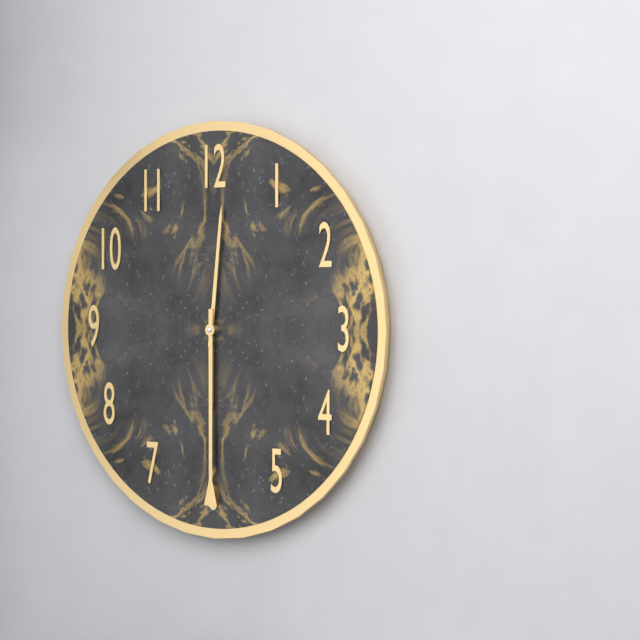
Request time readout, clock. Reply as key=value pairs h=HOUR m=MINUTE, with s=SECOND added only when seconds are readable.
h=6 m=1 s=30
